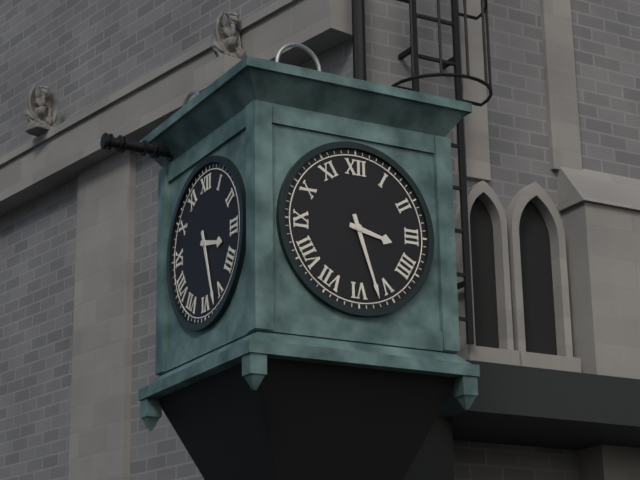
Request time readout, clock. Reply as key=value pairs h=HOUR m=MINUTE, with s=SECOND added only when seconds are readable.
h=3 m=27
